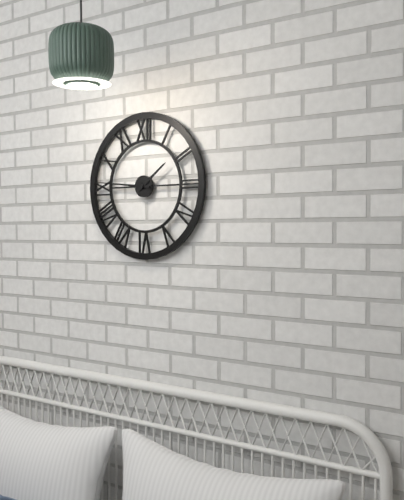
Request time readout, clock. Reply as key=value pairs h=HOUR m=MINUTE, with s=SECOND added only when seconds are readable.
h=1 m=46
